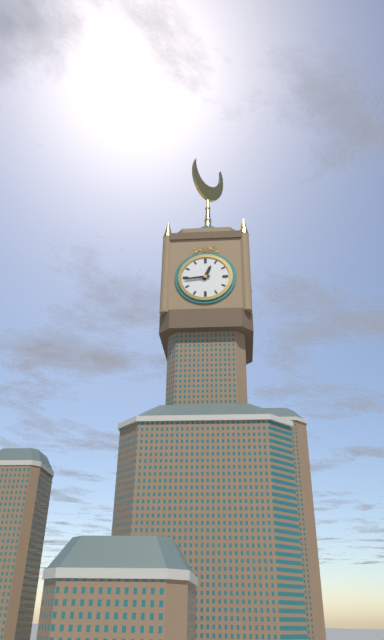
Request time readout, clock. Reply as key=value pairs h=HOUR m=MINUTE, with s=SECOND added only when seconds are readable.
h=12 m=44
